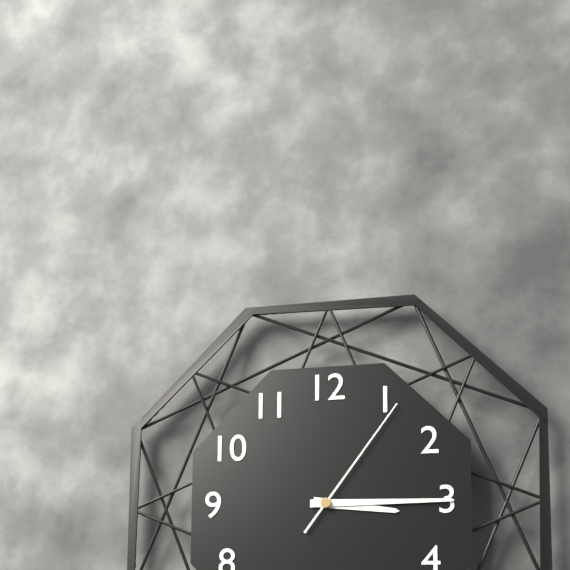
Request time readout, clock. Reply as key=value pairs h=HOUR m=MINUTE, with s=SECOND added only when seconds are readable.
h=3 m=15 s=6
